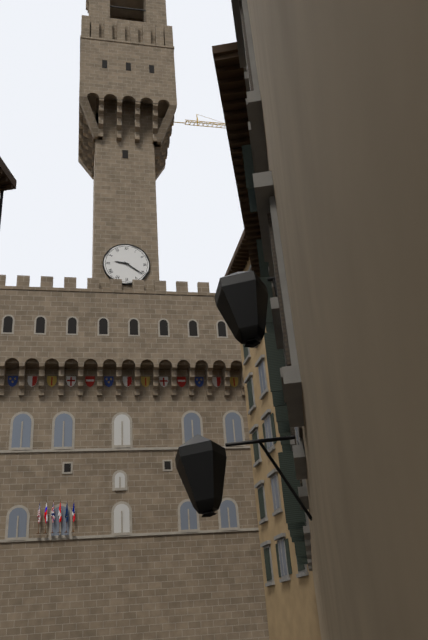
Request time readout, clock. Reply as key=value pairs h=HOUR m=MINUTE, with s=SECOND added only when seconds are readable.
h=9 m=21
